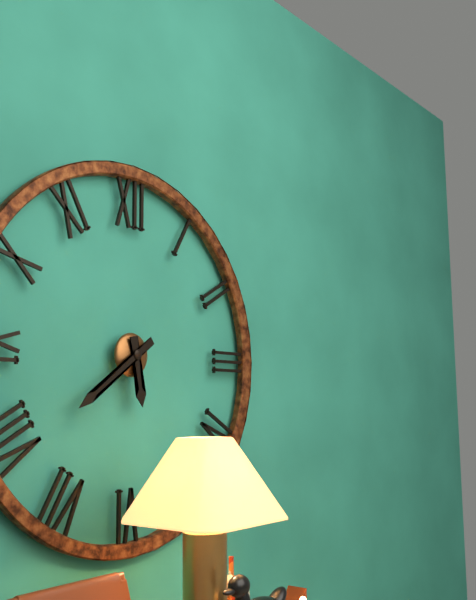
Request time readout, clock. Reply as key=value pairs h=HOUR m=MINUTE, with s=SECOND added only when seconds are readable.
h=5 m=39
